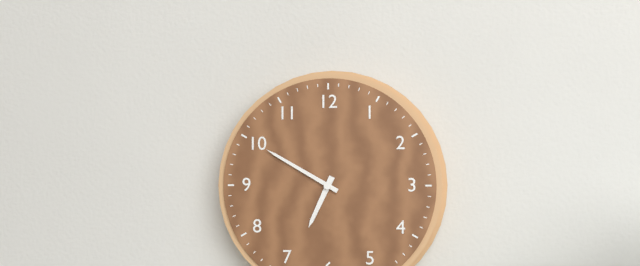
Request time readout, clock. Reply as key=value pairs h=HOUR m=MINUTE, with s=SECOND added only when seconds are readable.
h=6 m=50
